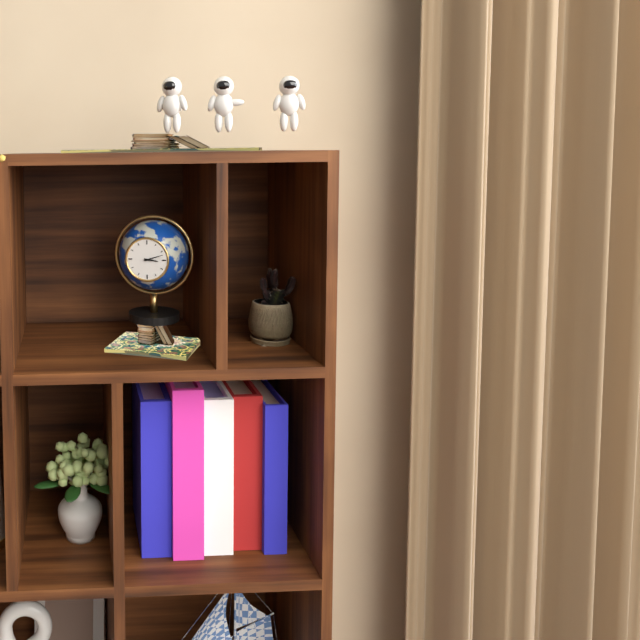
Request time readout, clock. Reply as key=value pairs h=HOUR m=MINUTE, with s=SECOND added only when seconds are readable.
h=3 m=12
